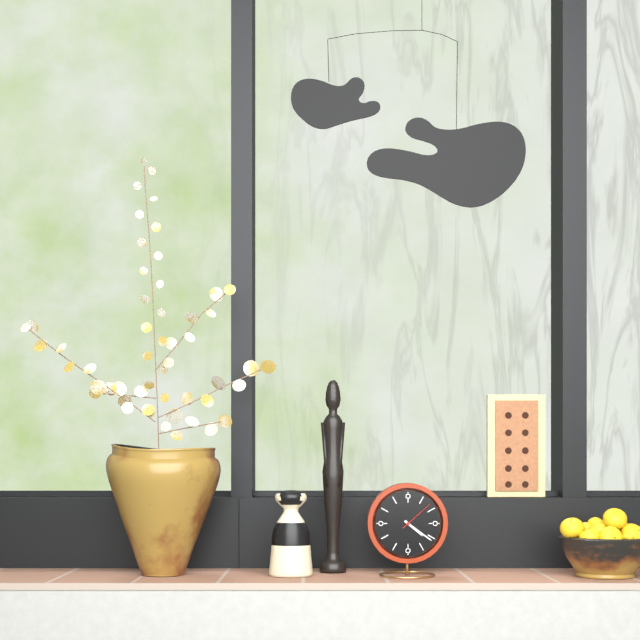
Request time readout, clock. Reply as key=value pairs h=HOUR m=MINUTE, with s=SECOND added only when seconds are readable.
h=4 m=21
